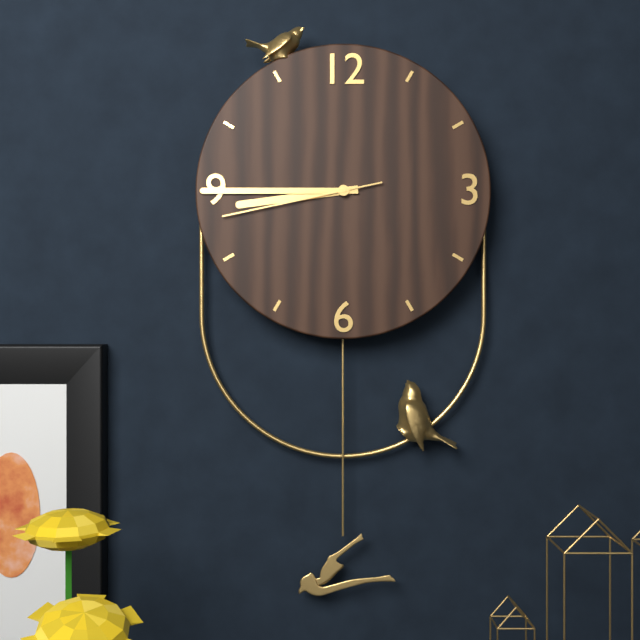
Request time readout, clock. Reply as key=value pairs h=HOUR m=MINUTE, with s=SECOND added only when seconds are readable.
h=8 m=45 s=43
